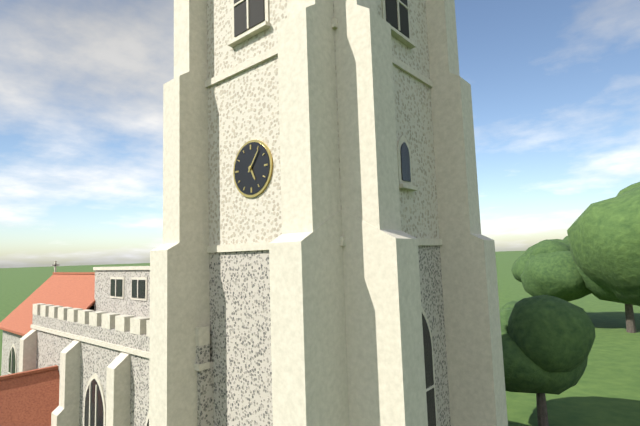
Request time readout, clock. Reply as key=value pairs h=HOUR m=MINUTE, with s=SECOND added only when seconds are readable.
h=5 m=6
